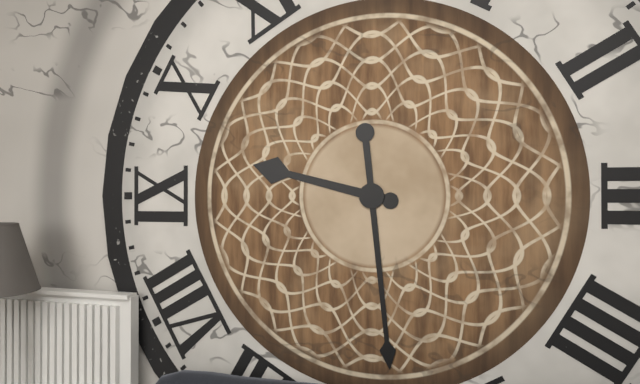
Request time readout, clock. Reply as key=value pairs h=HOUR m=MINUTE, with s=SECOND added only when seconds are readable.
h=9 m=29
